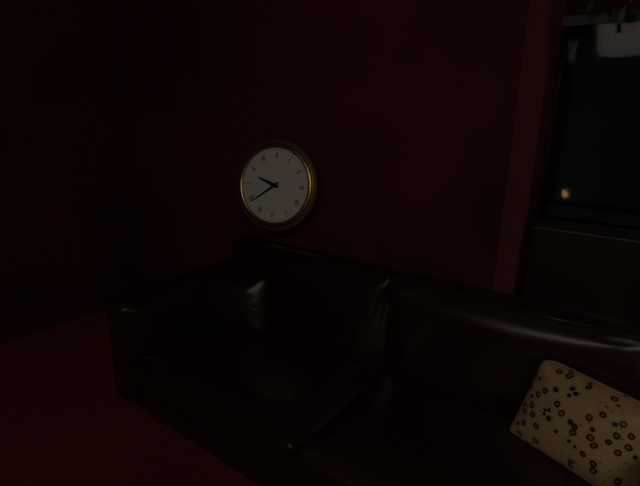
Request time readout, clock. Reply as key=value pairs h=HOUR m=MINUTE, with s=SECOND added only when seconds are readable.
h=9 m=39
